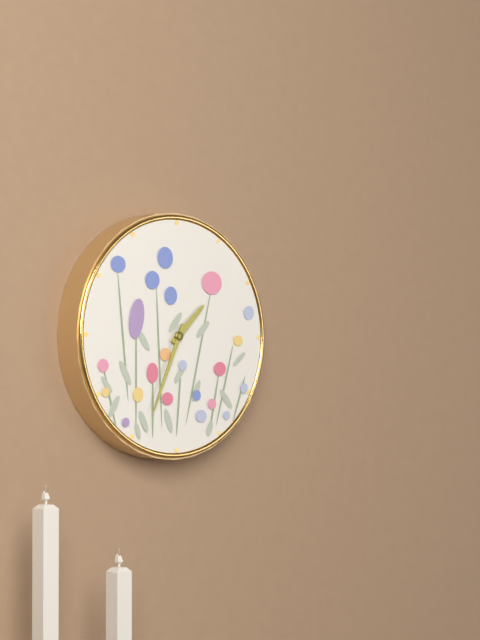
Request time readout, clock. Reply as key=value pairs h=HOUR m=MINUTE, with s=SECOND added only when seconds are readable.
h=1 m=34
